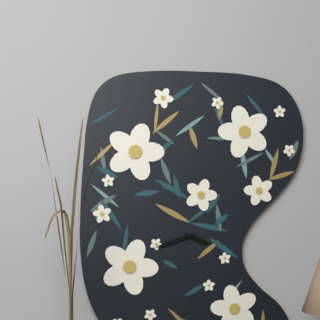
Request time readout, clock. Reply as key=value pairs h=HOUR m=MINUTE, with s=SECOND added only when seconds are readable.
h=3 m=42
